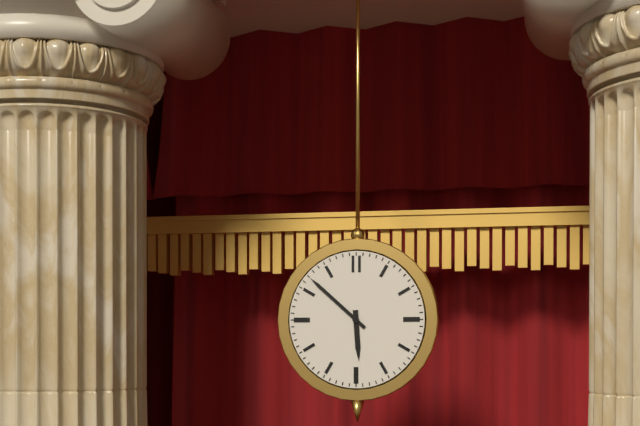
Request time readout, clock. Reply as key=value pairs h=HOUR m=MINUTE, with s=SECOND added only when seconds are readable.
h=5 m=52
